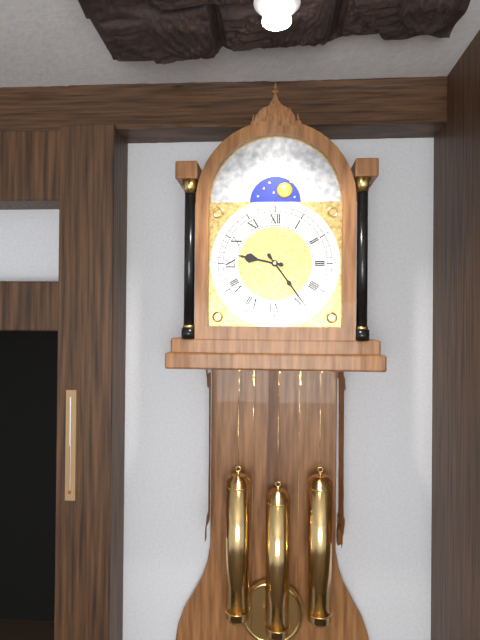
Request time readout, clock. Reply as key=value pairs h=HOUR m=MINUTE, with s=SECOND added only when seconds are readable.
h=9 m=24
